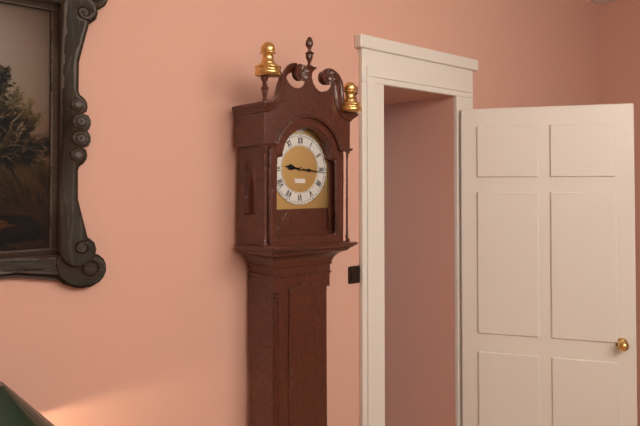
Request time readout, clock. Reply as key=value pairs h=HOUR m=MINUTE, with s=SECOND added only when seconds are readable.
h=9 m=16
